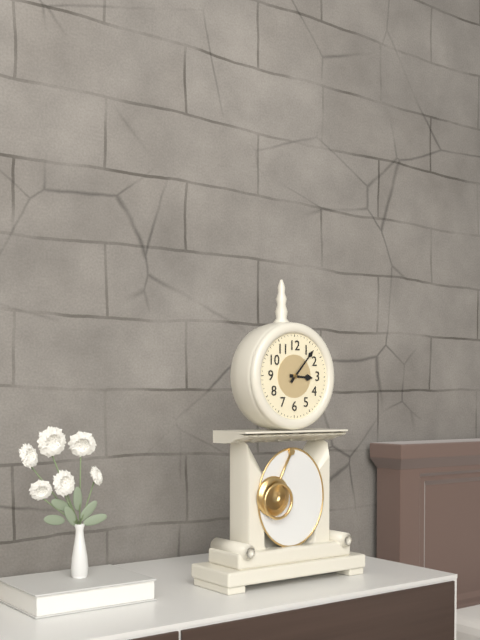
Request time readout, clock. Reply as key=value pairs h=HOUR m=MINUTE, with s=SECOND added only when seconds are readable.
h=3 m=7
